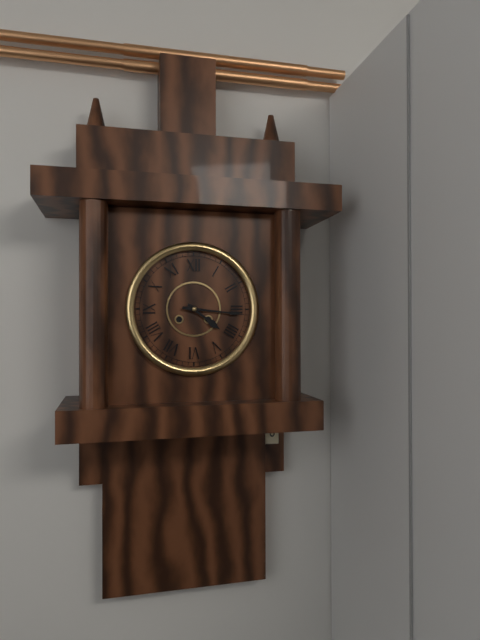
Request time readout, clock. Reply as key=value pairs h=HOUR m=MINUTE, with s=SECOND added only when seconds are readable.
h=4 m=16
